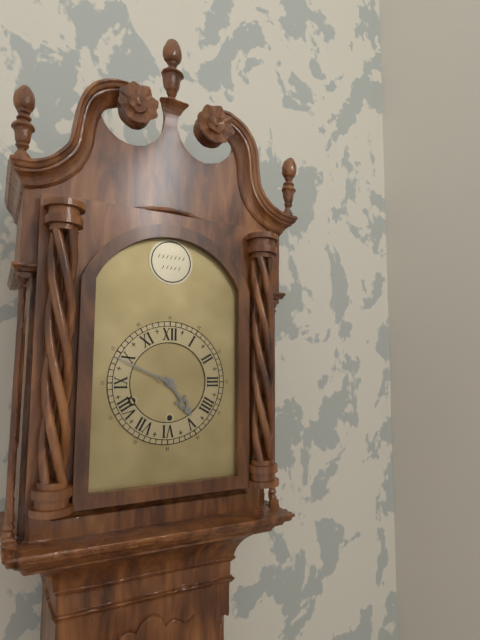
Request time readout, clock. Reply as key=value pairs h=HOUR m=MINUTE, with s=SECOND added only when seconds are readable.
h=4 m=49
